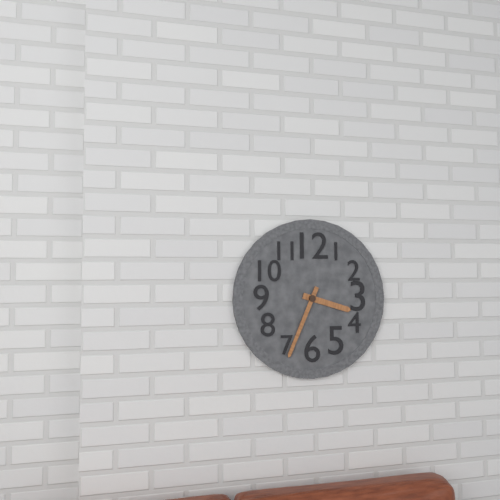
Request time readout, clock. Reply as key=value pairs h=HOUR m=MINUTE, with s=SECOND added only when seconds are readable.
h=3 m=34
